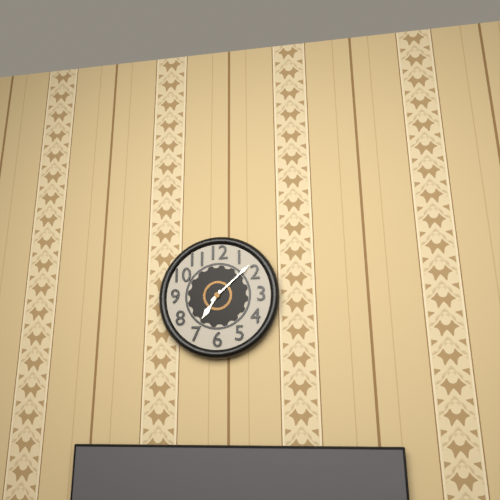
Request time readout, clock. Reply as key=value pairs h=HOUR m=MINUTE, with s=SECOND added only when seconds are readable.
h=7 m=8
